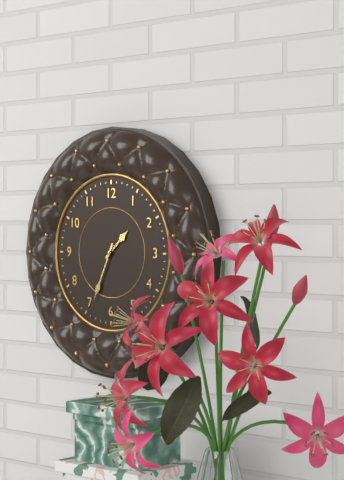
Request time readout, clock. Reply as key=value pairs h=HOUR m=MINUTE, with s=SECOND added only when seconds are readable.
h=1 m=34
